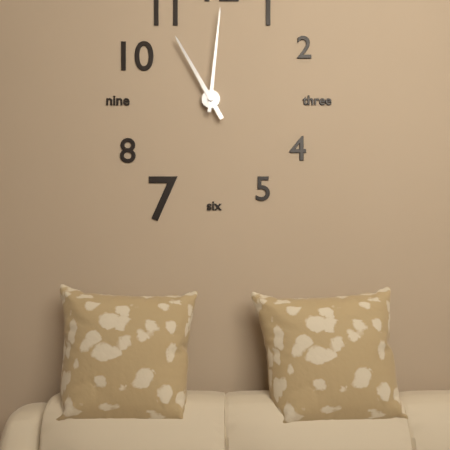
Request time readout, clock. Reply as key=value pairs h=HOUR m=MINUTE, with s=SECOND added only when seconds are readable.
h=11 m=1
